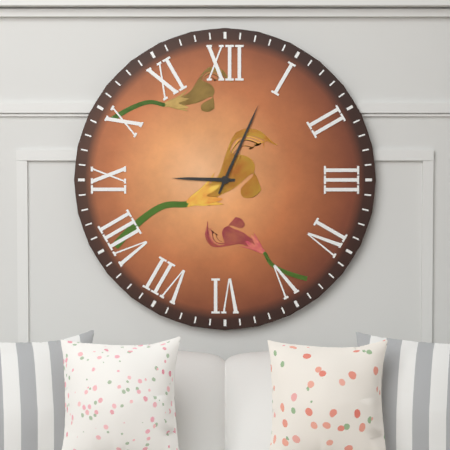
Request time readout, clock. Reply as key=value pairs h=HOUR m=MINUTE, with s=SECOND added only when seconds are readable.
h=9 m=4
